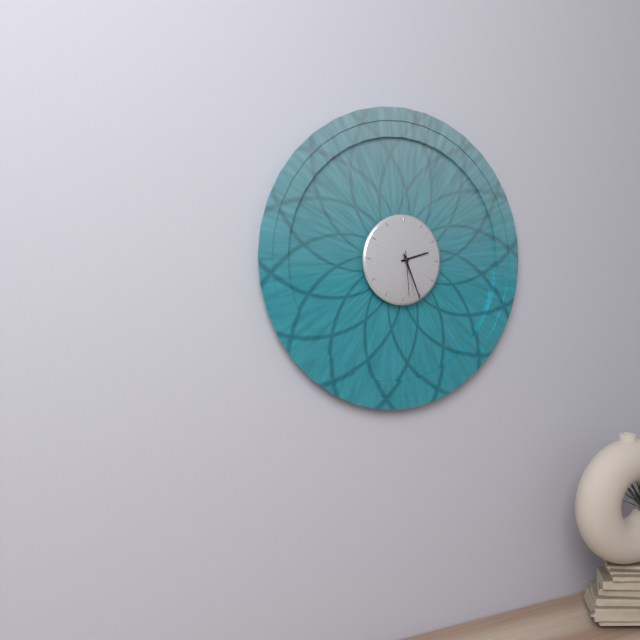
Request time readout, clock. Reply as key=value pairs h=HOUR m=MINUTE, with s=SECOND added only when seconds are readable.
h=2 m=26
